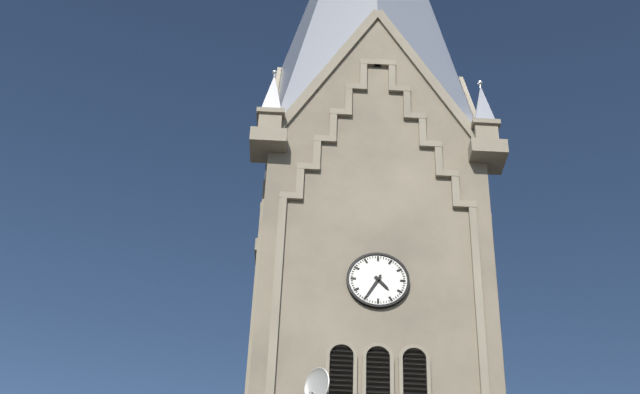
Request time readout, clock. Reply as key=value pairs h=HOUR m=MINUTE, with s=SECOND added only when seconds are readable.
h=4 m=35
